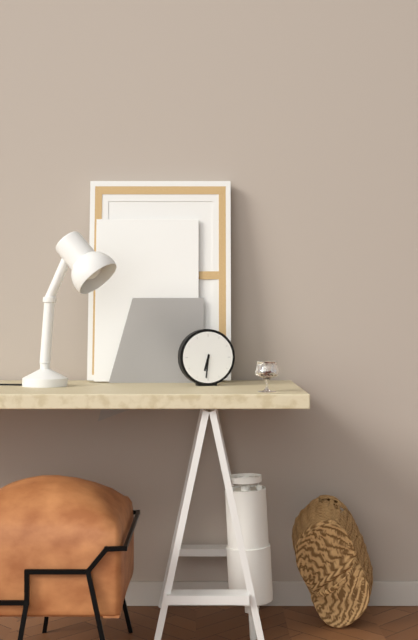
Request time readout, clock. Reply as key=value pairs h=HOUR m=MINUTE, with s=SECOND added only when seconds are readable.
h=6 m=31
